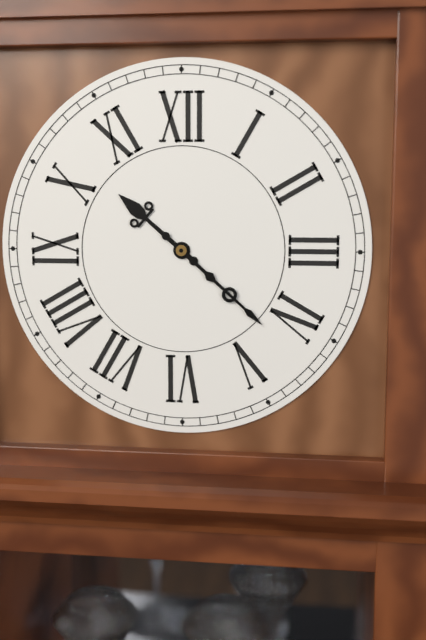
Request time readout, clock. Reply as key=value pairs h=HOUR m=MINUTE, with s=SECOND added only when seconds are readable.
h=10 m=22
